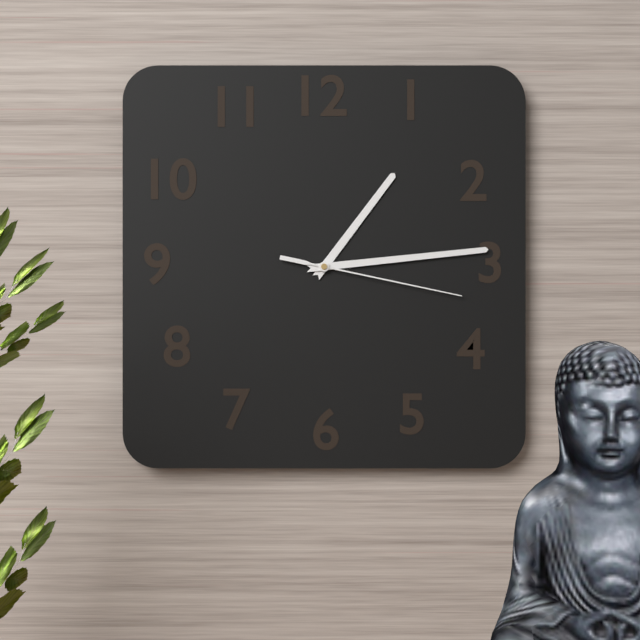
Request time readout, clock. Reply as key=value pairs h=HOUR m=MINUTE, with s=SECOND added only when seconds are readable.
h=1 m=14 s=17
